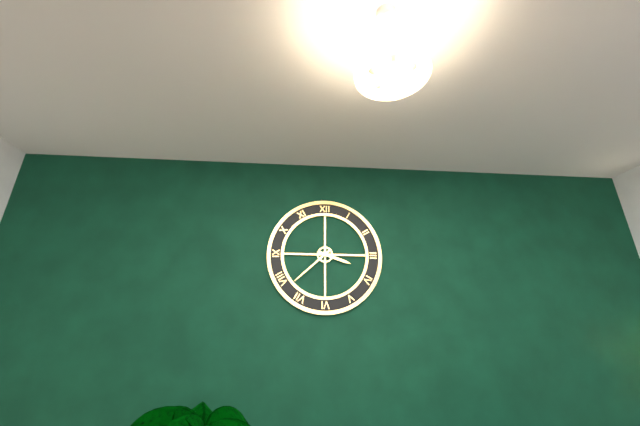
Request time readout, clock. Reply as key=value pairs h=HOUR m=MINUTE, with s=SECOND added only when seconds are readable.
h=3 m=38
